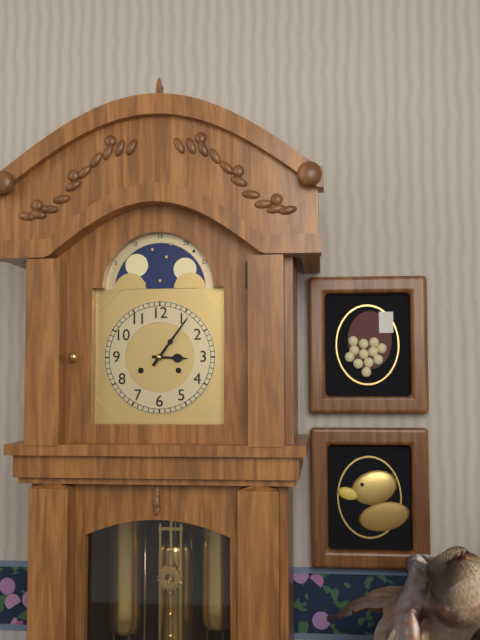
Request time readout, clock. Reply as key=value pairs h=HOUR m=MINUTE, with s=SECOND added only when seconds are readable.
h=3 m=6
